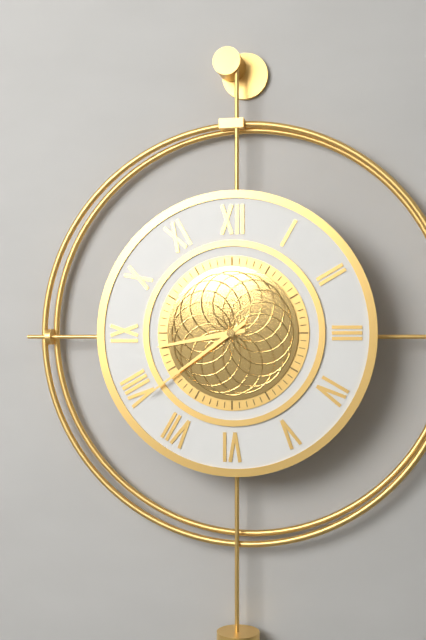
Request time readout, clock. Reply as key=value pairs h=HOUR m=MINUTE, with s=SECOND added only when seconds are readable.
h=8 m=39
